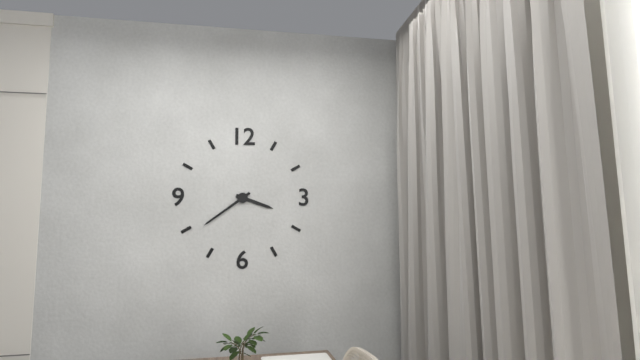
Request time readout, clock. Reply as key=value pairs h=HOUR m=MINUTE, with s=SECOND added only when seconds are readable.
h=3 m=39
